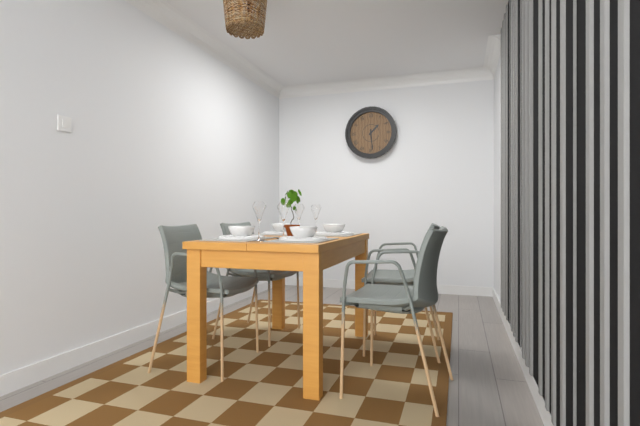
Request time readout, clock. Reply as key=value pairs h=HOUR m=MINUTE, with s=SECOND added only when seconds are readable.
h=1 m=29
